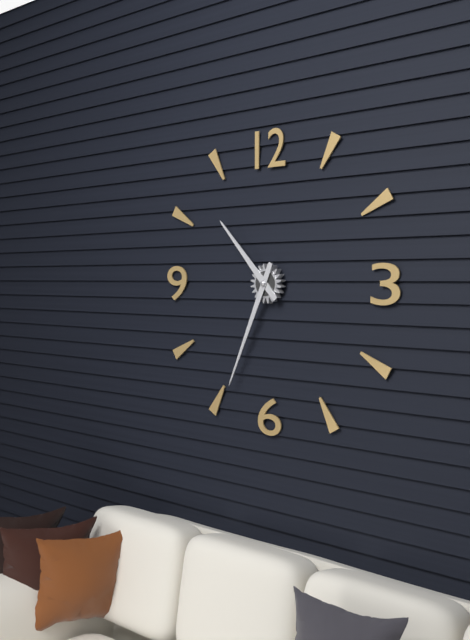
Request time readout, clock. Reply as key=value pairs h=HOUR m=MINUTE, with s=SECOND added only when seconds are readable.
h=10 m=34
